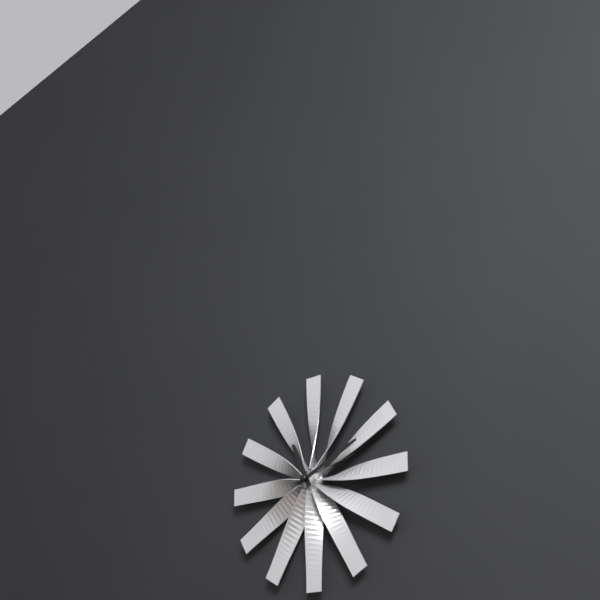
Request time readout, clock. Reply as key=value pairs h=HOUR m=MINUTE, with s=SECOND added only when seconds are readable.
h=11 m=11 s=13
